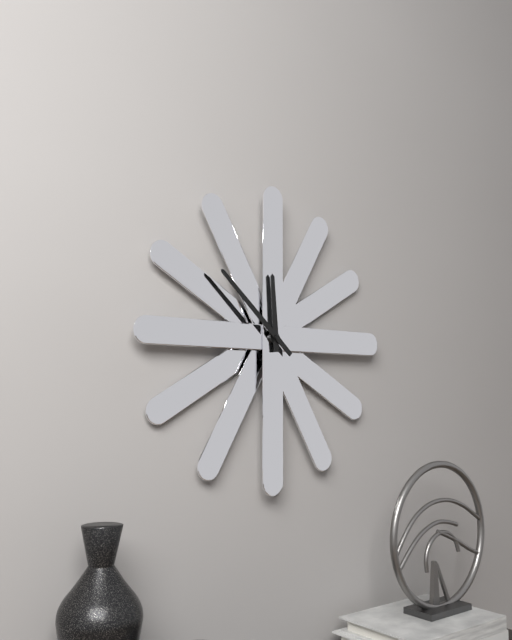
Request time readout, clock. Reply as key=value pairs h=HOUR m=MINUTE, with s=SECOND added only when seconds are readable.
h=11 m=52
